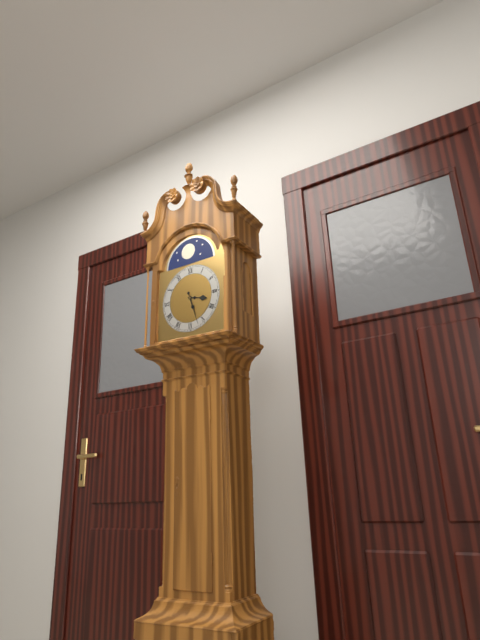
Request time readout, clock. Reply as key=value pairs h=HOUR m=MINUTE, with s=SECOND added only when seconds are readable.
h=3 m=27
